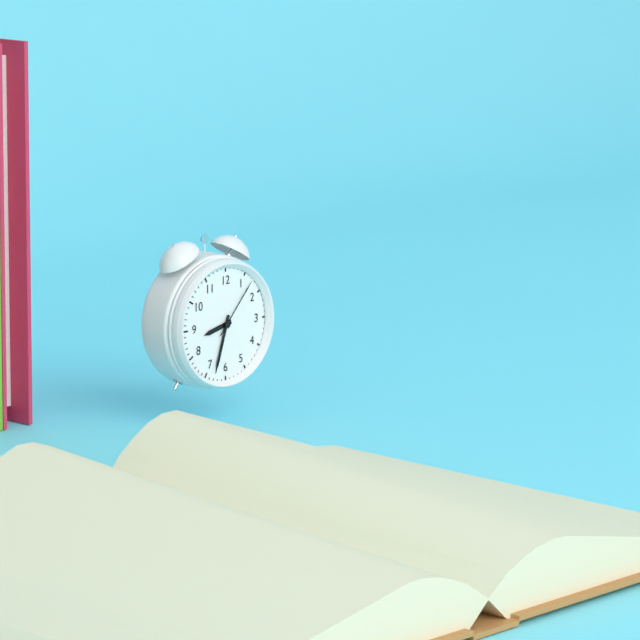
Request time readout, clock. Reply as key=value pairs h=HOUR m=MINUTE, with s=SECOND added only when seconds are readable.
h=8 m=33 s=7
